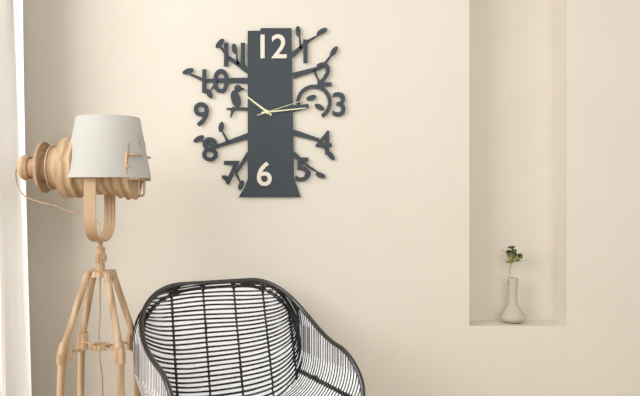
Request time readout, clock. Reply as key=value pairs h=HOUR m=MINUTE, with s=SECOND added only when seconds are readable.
h=10 m=14 s=12
